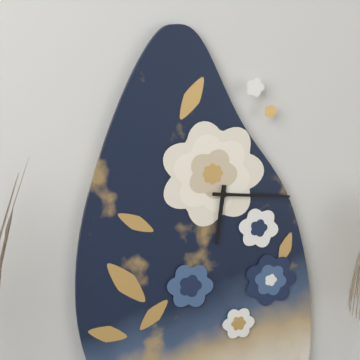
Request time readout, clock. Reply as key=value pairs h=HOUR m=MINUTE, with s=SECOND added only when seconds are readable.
h=6 m=16
